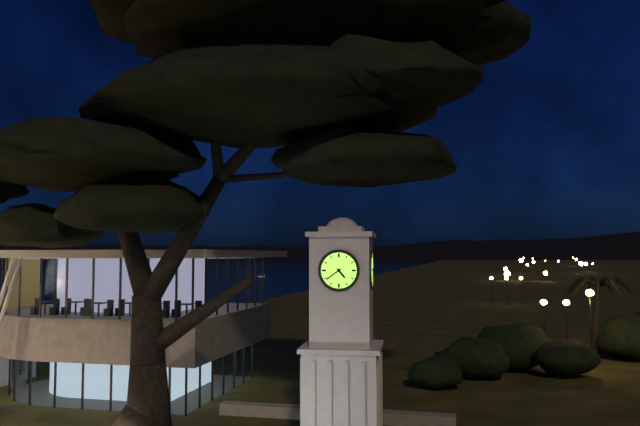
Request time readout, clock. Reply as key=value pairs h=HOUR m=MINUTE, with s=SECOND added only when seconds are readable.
h=4 m=39
